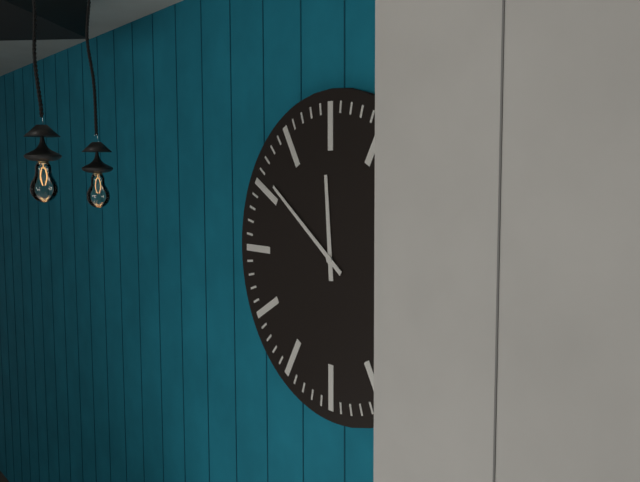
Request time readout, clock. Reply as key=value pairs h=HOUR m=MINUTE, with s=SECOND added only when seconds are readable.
h=11 m=51
